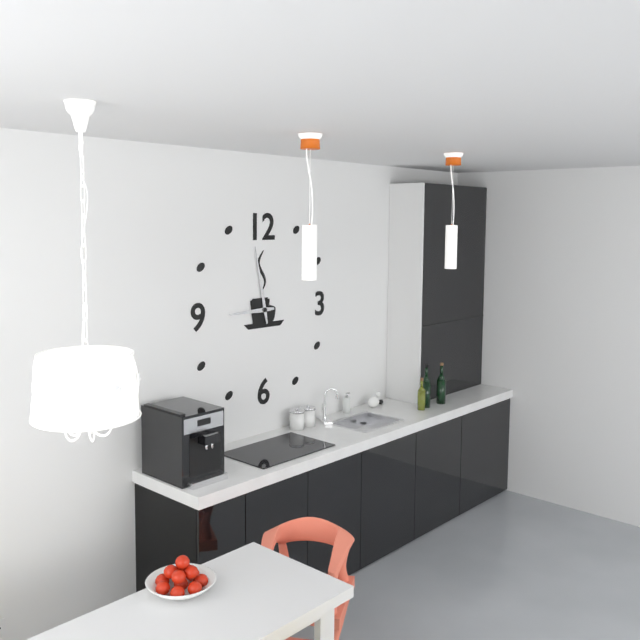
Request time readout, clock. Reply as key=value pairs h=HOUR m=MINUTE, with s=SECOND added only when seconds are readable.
h=8 m=58
